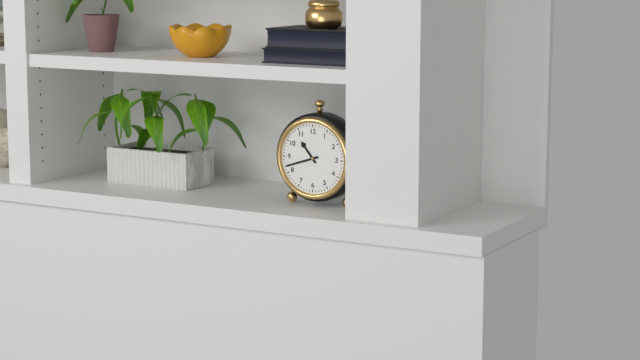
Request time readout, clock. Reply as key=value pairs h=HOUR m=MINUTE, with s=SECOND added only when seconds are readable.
h=10 m=42
